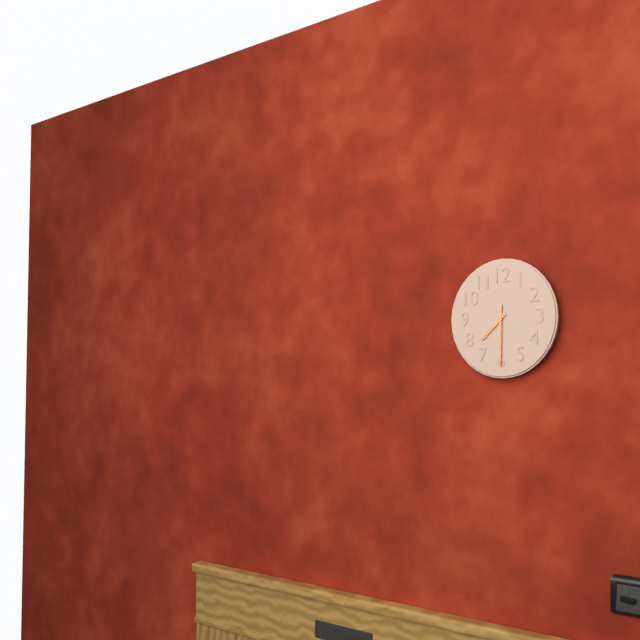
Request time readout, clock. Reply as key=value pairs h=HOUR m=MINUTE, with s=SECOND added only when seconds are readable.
h=7 m=30
